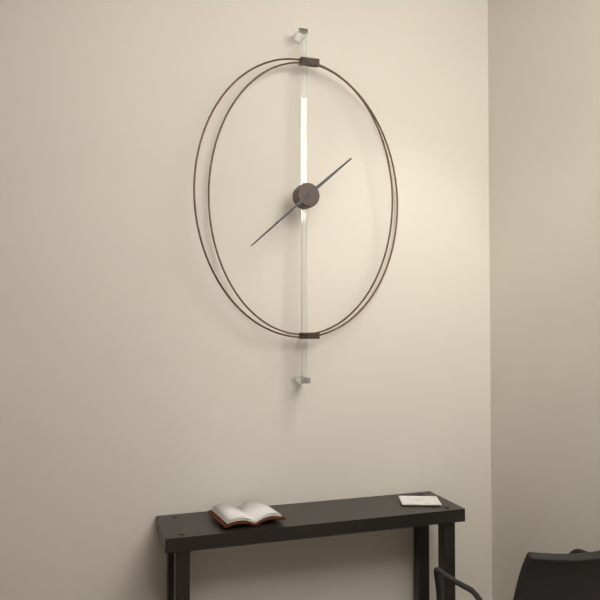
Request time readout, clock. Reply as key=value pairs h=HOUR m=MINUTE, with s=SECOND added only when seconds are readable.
h=1 m=38
